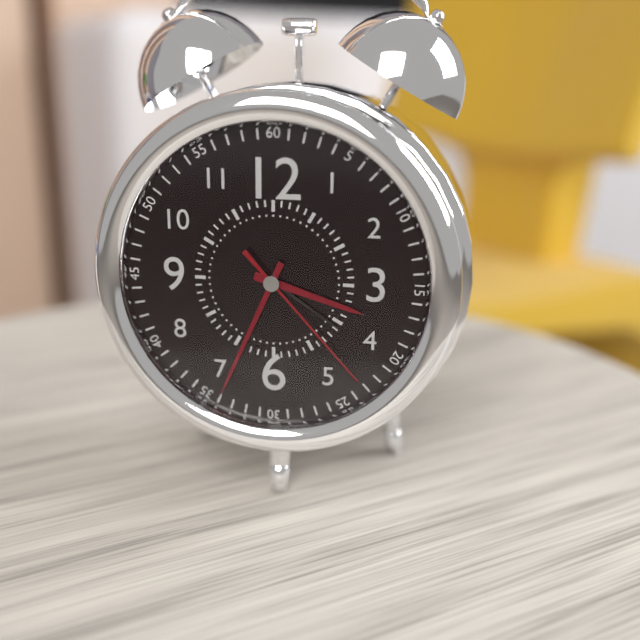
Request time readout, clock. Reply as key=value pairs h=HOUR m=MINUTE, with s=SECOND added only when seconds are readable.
h=3 m=34 s=23
